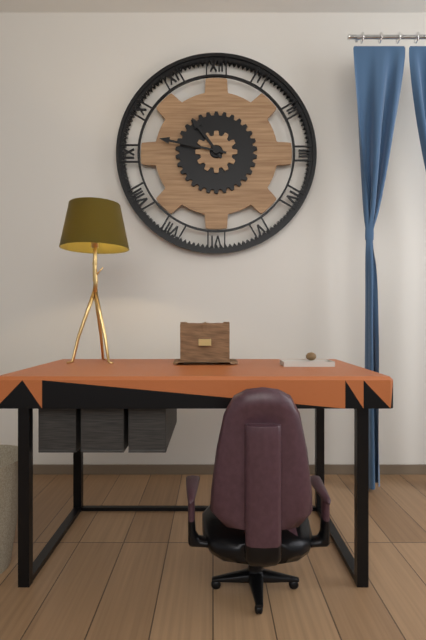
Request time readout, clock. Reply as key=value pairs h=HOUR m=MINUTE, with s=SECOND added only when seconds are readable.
h=10 m=47
